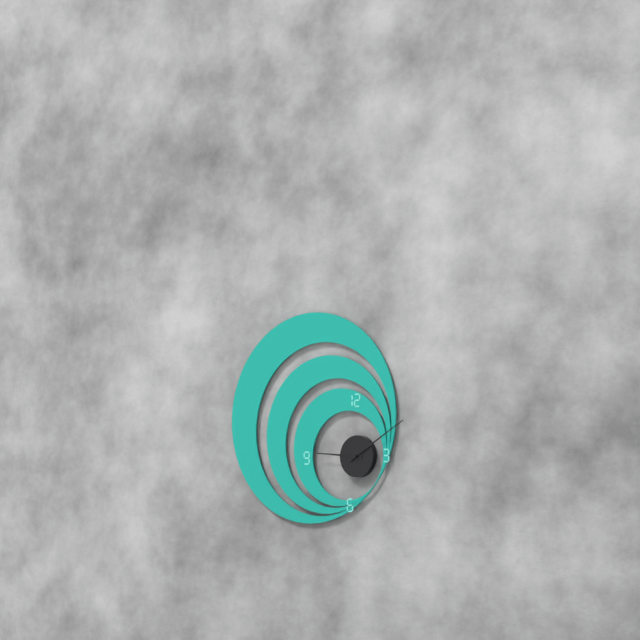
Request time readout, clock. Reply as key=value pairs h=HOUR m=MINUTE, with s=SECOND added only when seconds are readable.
h=9 m=10
